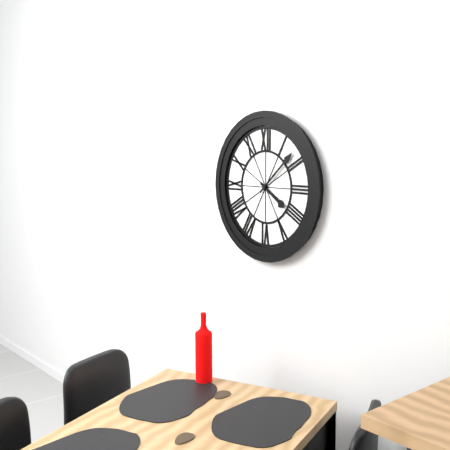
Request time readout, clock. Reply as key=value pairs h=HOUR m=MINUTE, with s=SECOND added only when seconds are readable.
h=4 m=8
